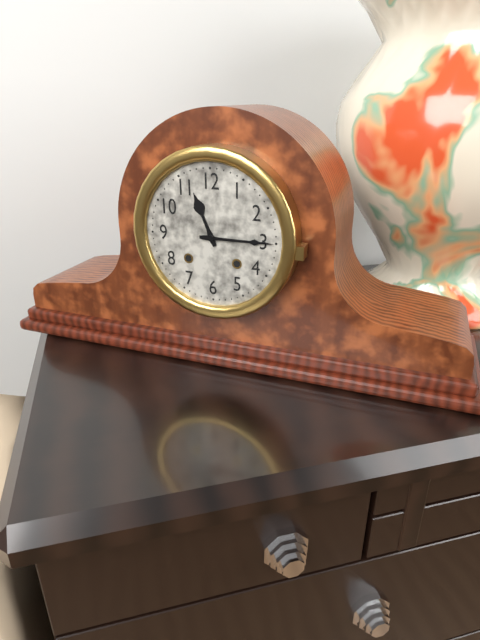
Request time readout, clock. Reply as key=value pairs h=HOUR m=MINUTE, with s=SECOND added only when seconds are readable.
h=11 m=15
